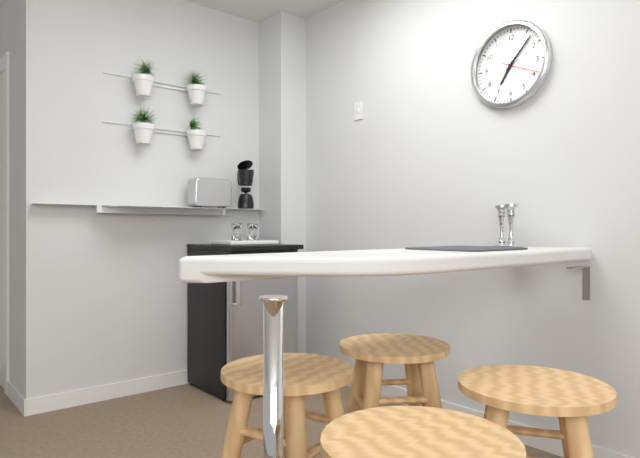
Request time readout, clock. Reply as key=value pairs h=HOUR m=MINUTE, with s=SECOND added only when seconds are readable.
h=7 m=7
